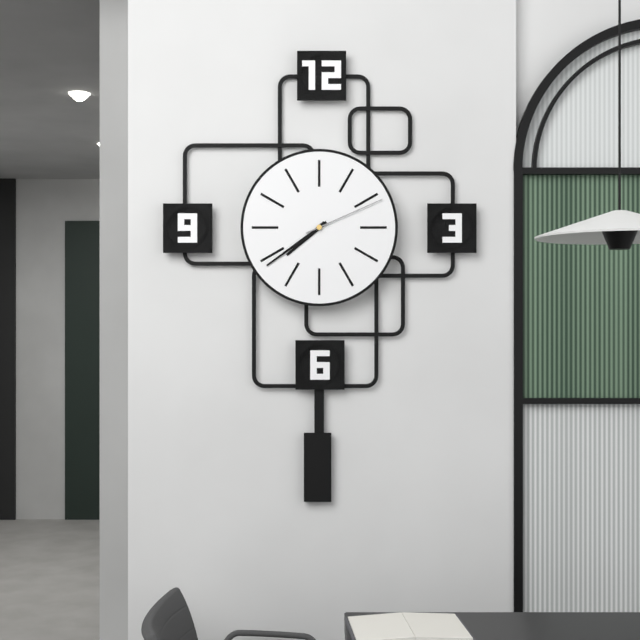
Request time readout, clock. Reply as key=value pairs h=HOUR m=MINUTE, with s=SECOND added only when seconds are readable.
h=7 m=39 s=11
